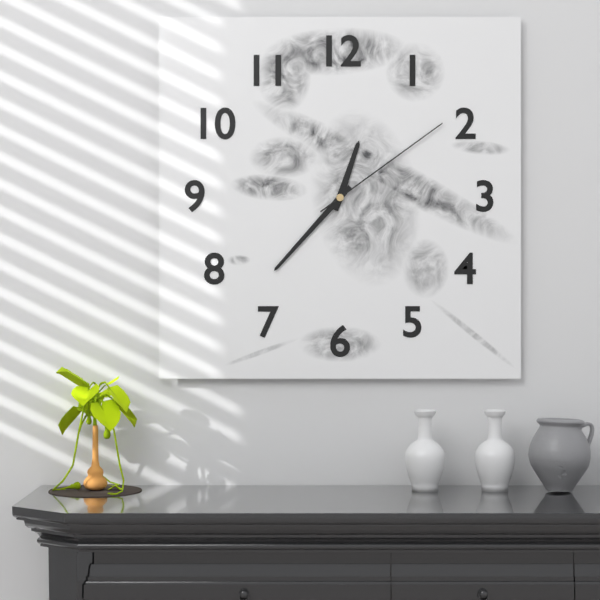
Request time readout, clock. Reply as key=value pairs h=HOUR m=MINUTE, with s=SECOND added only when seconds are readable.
h=12 m=37 s=9
